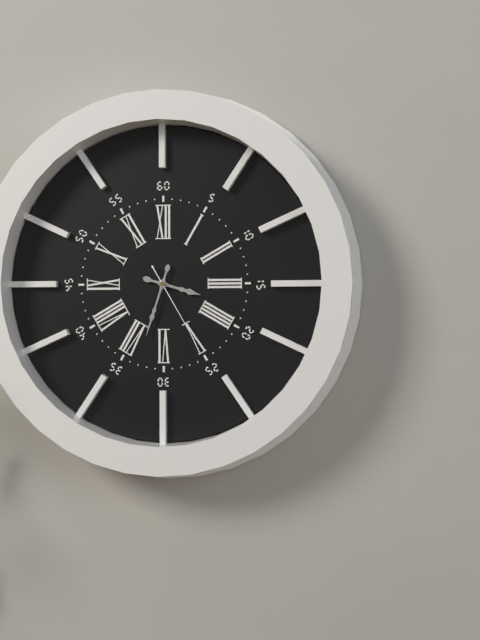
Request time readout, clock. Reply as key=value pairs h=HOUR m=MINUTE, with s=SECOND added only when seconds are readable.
h=3 m=33 s=25
